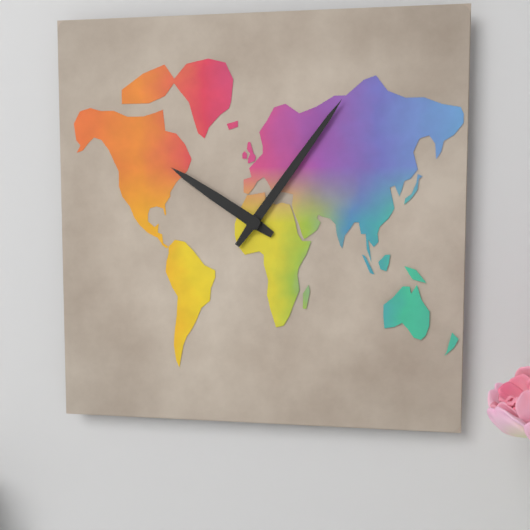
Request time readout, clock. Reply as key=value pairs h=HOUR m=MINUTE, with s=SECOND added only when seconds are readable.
h=10 m=6
